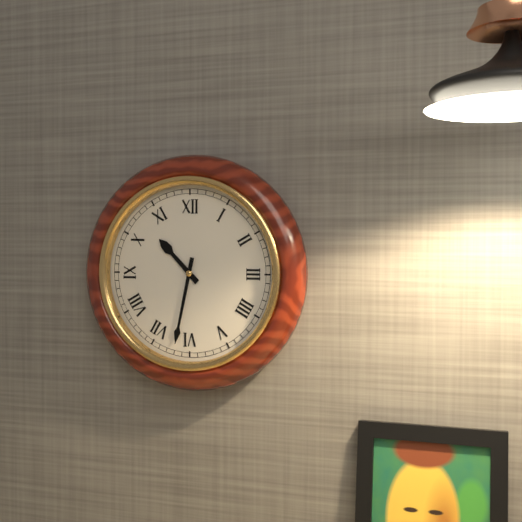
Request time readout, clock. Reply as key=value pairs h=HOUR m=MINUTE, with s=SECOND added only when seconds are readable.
h=10 m=32
